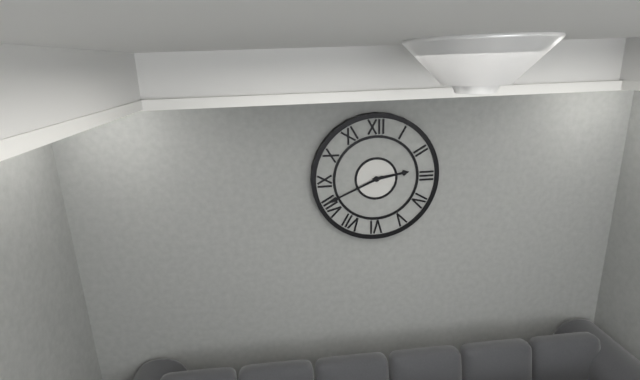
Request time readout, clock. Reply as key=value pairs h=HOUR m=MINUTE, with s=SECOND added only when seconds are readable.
h=2 m=41
